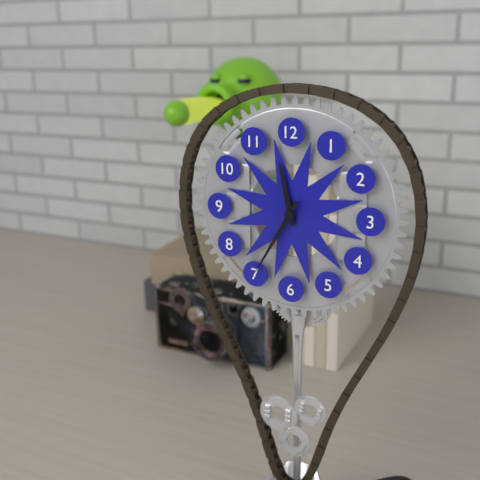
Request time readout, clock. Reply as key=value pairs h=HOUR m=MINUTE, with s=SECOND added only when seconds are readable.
h=11 m=35
